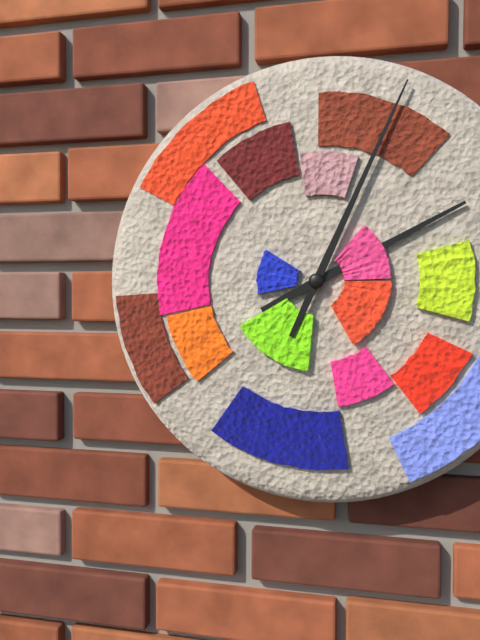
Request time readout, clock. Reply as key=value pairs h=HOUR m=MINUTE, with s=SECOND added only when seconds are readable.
h=2 m=4
